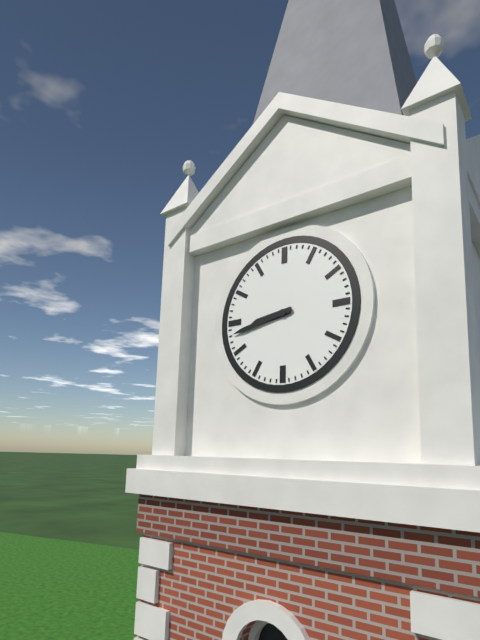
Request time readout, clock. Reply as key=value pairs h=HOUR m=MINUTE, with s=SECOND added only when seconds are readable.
h=8 m=43
